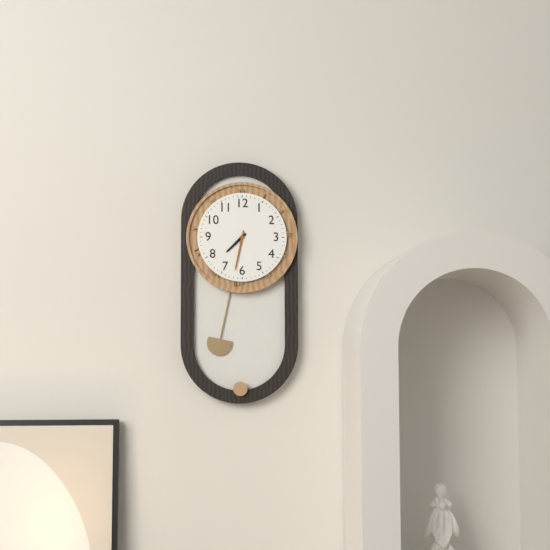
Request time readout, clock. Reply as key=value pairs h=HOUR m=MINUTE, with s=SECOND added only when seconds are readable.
h=7 m=32
